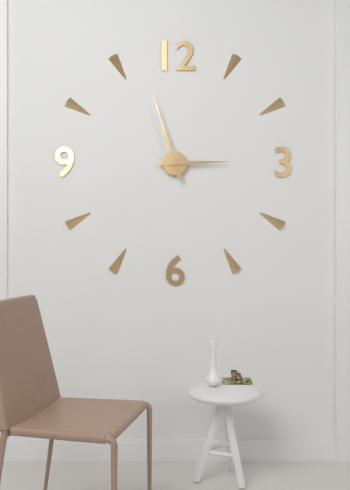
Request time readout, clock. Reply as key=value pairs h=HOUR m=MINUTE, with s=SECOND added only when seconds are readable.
h=2 m=57
